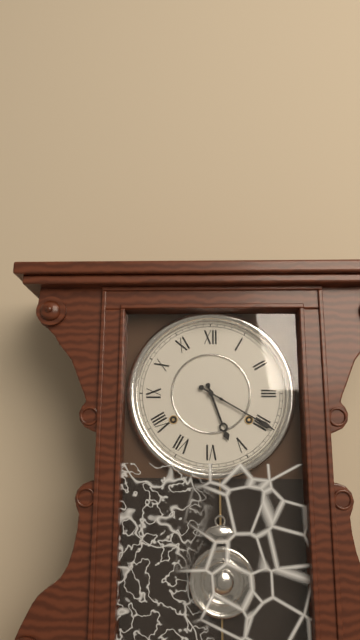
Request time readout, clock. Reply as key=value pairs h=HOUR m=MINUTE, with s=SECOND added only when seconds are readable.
h=5 m=20
